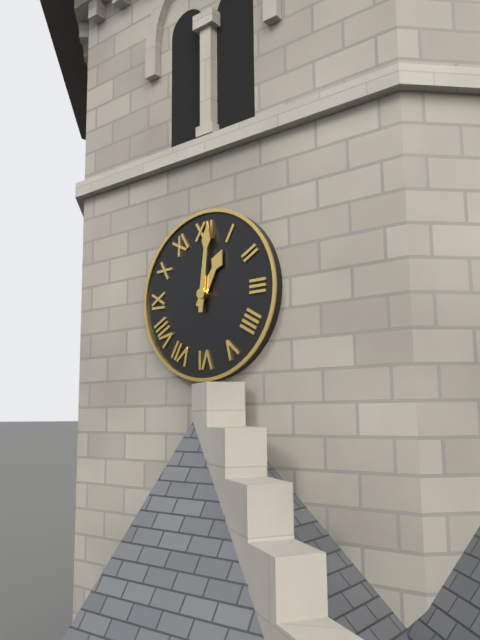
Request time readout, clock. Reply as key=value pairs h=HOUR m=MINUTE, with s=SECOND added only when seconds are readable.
h=1 m=1
